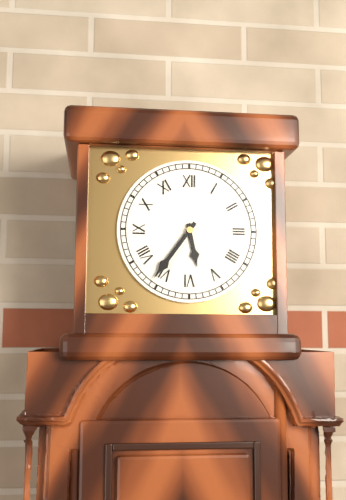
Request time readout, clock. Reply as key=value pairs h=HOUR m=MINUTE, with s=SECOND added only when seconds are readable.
h=5 m=36
